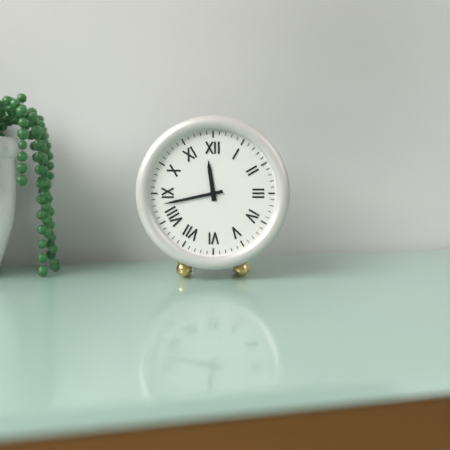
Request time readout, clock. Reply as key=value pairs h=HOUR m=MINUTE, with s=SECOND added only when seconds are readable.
h=11 m=43
